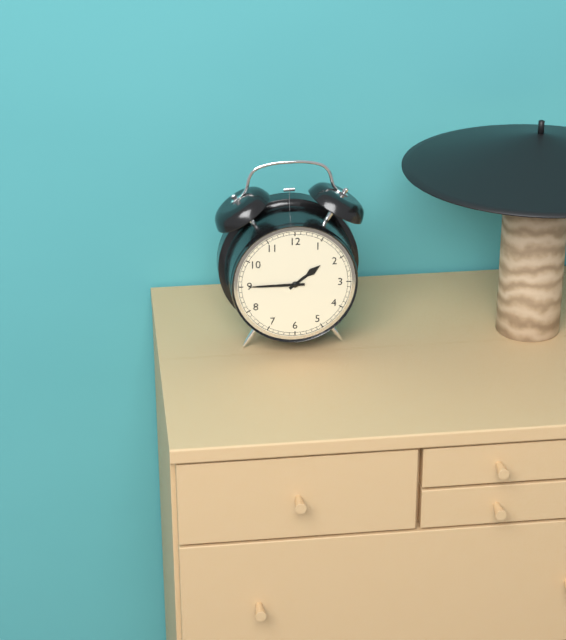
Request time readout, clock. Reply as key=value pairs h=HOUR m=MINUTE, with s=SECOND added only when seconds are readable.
h=1 m=45
